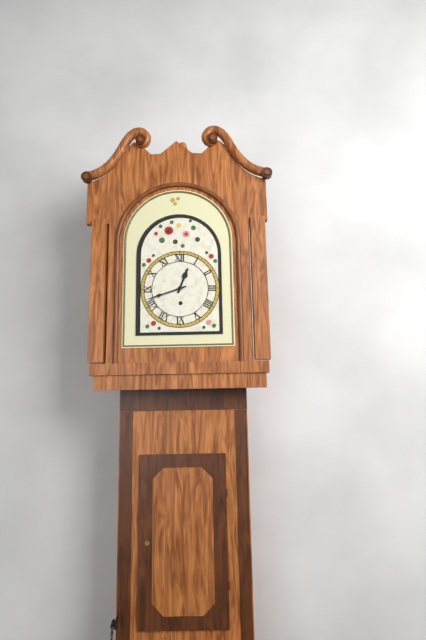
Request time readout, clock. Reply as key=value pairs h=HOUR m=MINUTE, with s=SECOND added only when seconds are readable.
h=12 m=42
